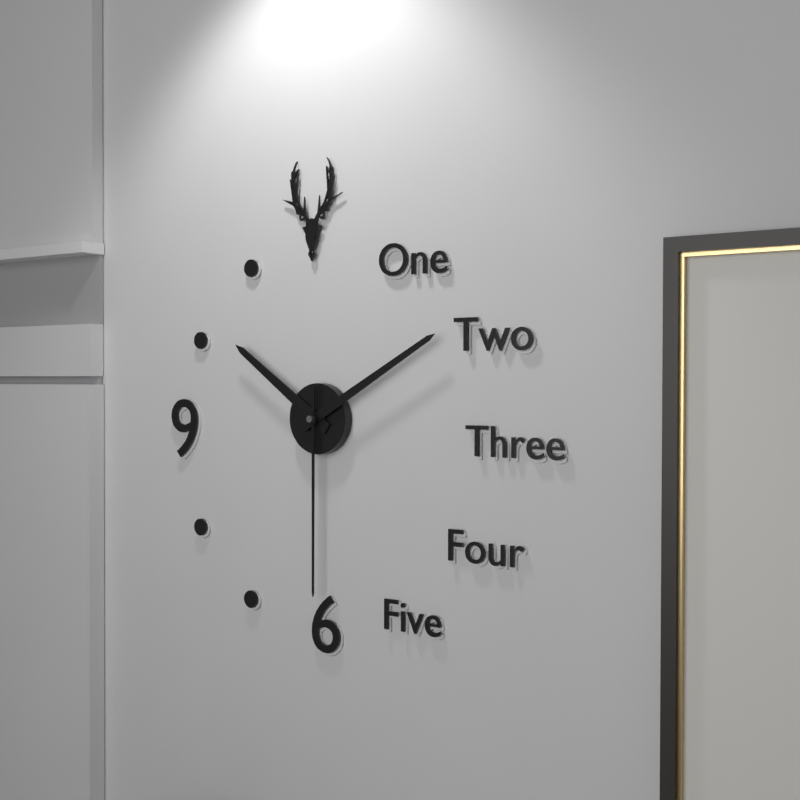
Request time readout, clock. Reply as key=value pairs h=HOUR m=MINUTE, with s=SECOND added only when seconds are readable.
h=10 m=10 s=30
